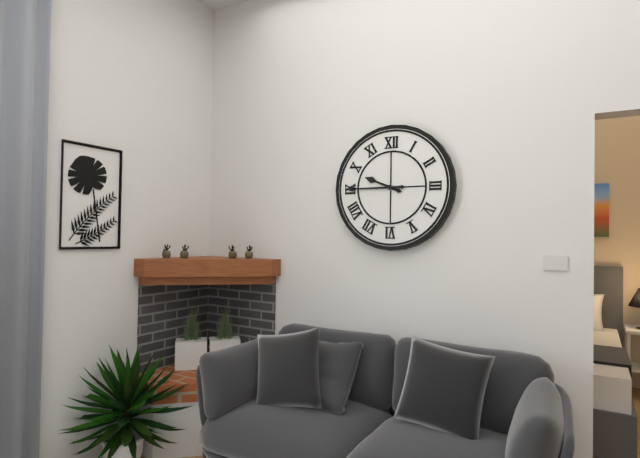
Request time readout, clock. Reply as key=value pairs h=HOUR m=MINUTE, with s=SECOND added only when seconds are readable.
h=9 m=45
